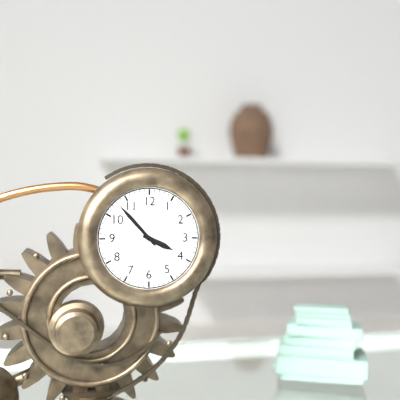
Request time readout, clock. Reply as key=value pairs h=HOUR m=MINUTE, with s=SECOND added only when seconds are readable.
h=3 m=53
